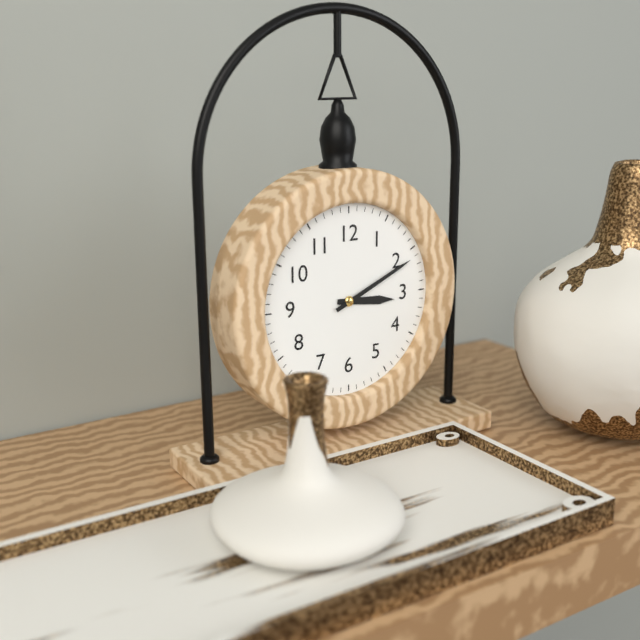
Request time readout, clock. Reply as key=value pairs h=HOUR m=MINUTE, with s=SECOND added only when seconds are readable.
h=3 m=11
